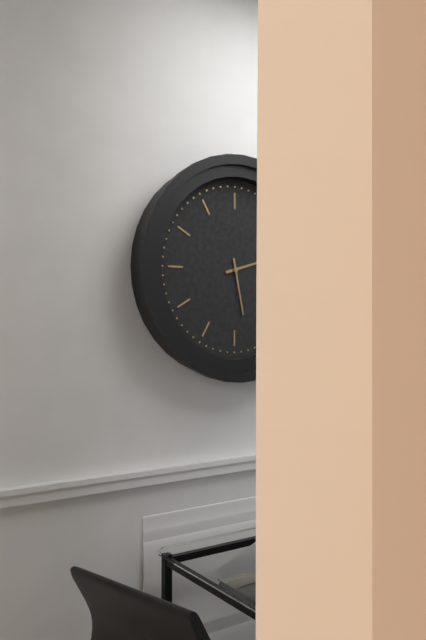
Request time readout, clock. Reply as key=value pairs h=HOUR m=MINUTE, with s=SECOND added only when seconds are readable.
h=2 m=28
